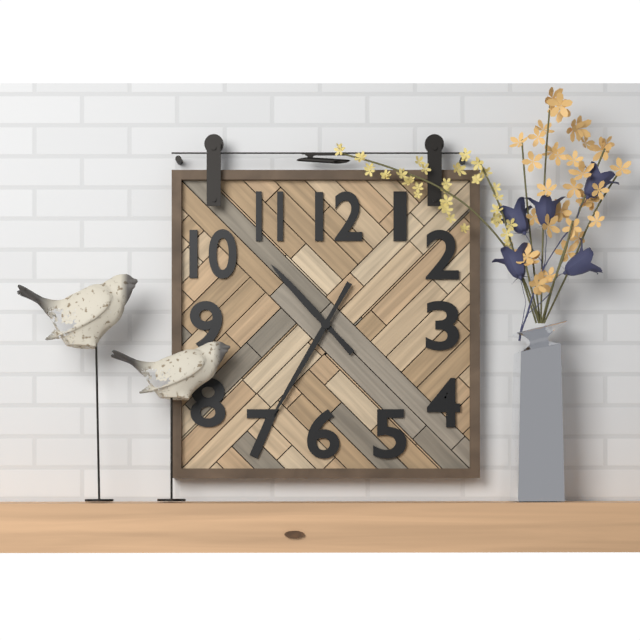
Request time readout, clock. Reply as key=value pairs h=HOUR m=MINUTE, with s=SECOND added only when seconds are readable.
h=10 m=35
